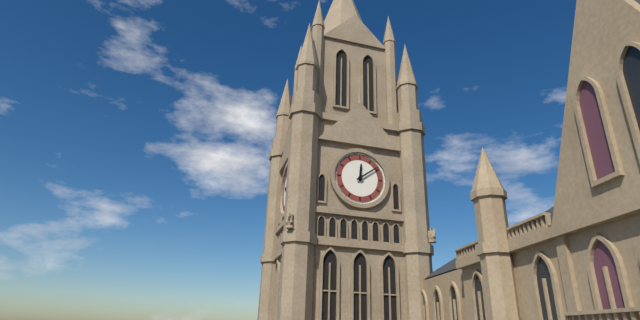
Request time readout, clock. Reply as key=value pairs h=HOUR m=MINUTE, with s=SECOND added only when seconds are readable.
h=12 m=9
